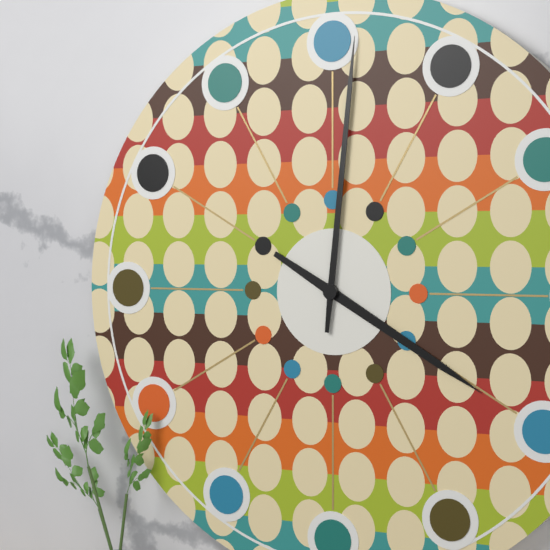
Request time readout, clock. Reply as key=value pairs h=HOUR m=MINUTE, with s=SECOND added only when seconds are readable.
h=4 m=1
